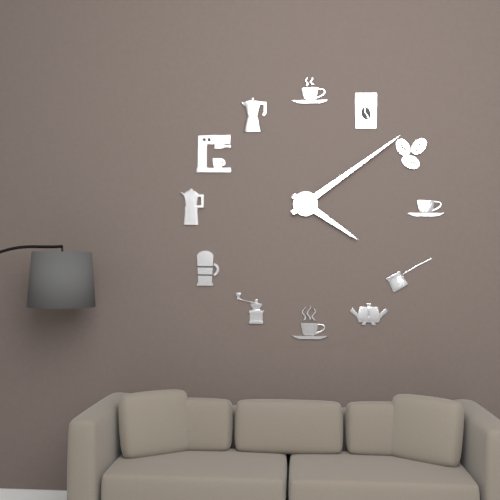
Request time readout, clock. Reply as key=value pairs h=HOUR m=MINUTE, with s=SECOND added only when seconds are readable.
h=4 m=9
